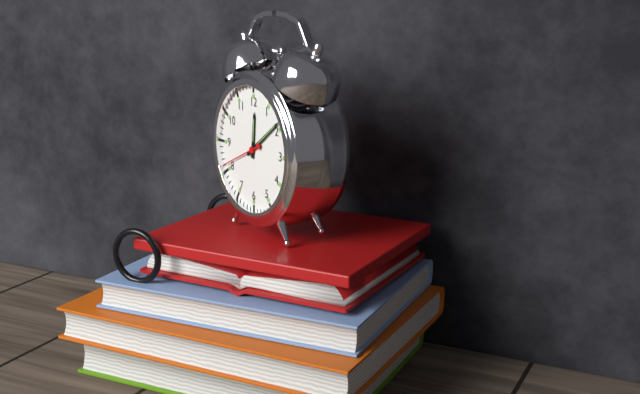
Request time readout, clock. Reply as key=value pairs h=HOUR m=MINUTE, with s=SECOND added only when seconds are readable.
h=12 m=9
